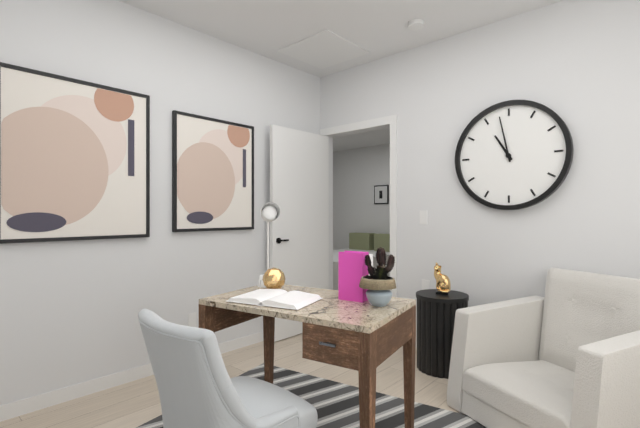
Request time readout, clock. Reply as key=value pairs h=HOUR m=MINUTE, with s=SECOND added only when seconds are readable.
h=10 m=58
